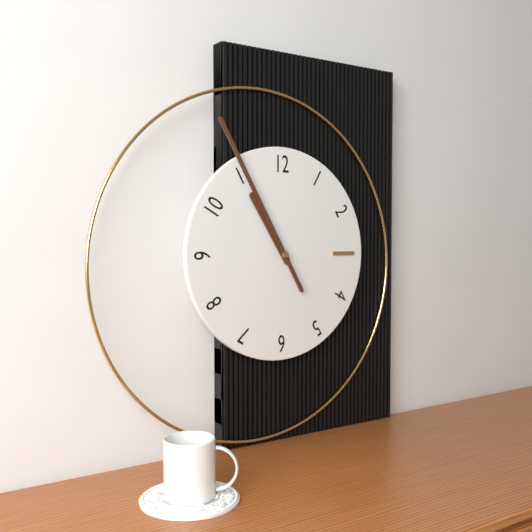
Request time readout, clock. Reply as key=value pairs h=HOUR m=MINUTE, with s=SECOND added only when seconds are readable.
h=10 m=55
